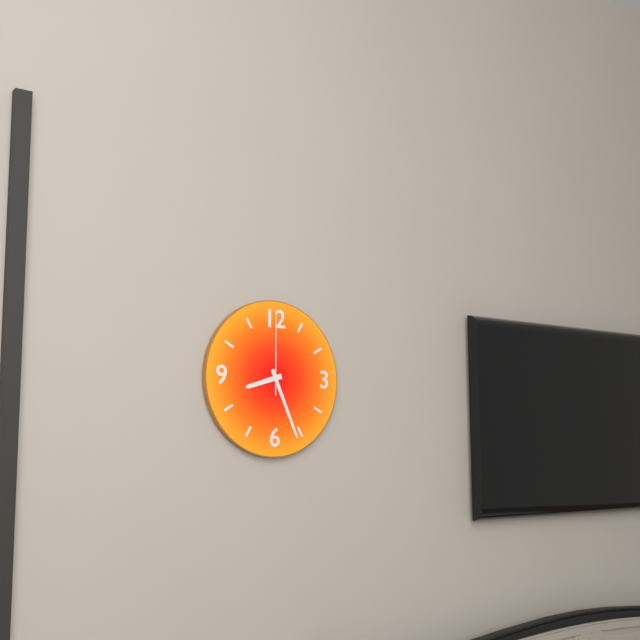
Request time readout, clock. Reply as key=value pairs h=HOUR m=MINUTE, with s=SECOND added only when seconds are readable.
h=8 m=26 s=0
